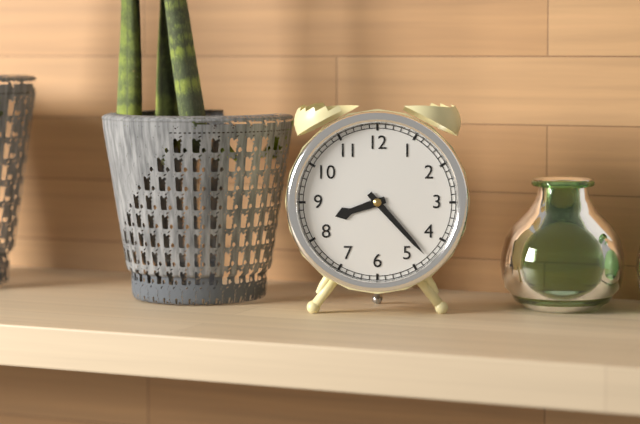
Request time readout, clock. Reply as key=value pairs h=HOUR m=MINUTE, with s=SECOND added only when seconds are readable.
h=8 m=23
